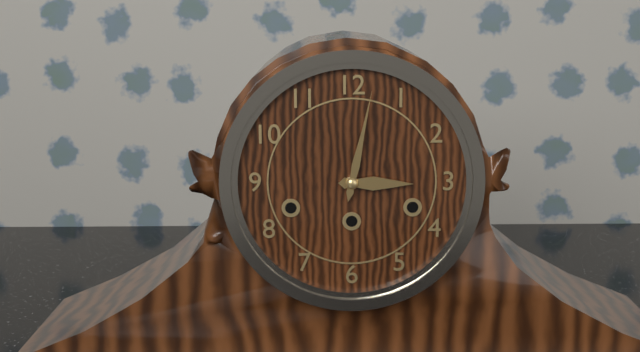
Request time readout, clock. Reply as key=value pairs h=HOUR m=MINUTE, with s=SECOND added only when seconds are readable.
h=3 m=2
